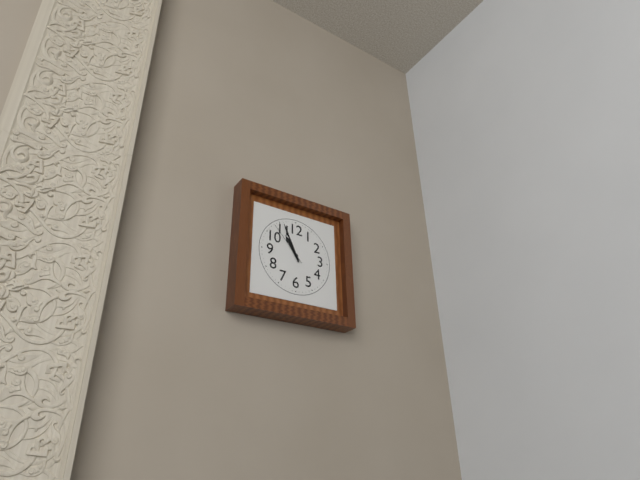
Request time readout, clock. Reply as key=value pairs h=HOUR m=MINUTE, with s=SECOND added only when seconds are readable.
h=10 m=56
